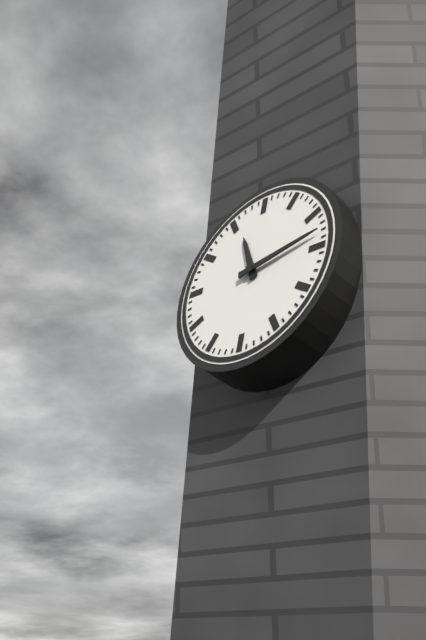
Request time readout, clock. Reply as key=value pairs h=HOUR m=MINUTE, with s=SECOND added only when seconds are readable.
h=11 m=13
